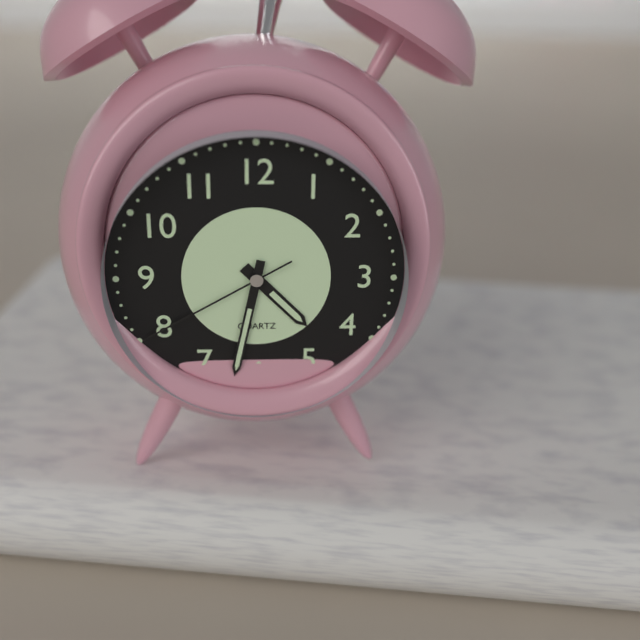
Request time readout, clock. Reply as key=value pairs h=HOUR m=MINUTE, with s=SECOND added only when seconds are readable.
h=4 m=32 s=40
